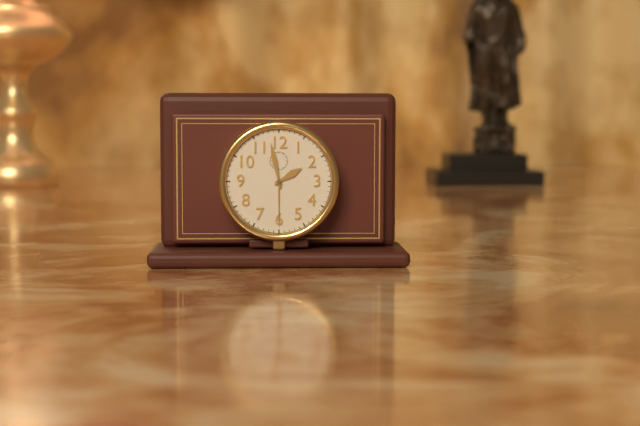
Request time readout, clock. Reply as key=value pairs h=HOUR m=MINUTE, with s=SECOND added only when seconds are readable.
h=1 m=58
